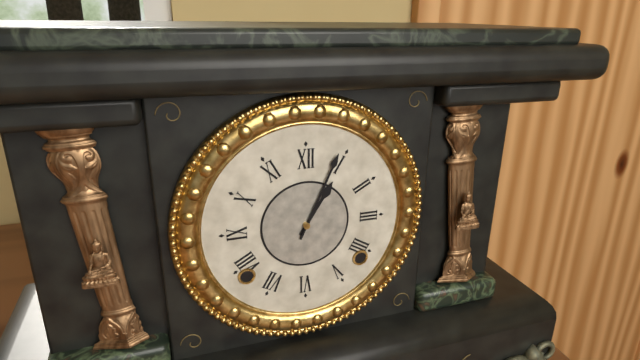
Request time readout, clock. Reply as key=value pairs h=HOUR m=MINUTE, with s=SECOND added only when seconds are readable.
h=1 m=4
